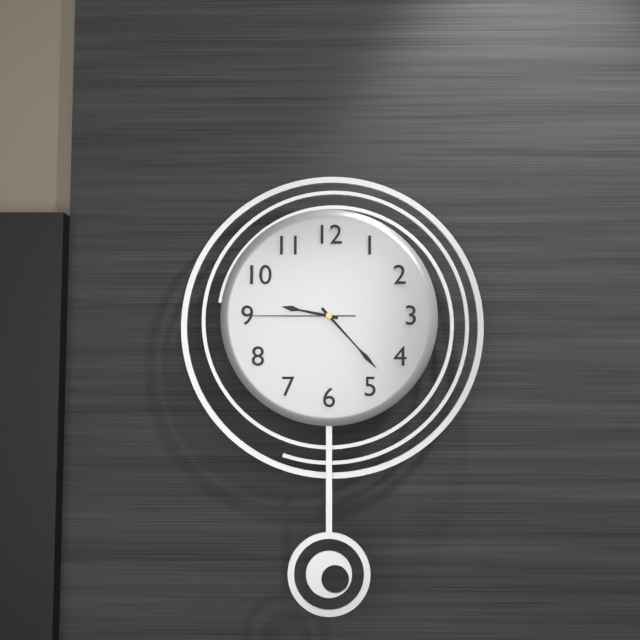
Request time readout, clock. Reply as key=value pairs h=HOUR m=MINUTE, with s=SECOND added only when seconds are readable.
h=9 m=23 s=45
